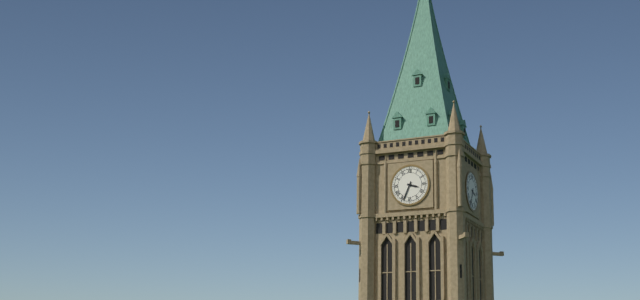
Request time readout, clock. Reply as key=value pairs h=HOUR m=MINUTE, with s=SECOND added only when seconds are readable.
h=3 m=34
